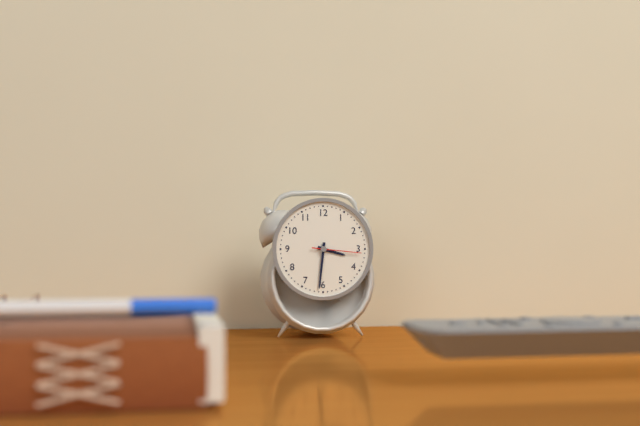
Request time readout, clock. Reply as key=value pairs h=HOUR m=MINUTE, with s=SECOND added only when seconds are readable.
h=3 m=31
